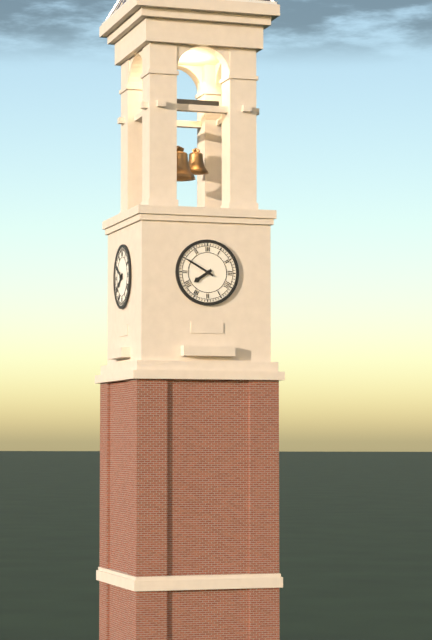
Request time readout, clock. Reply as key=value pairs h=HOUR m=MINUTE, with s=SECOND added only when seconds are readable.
h=7 m=50
